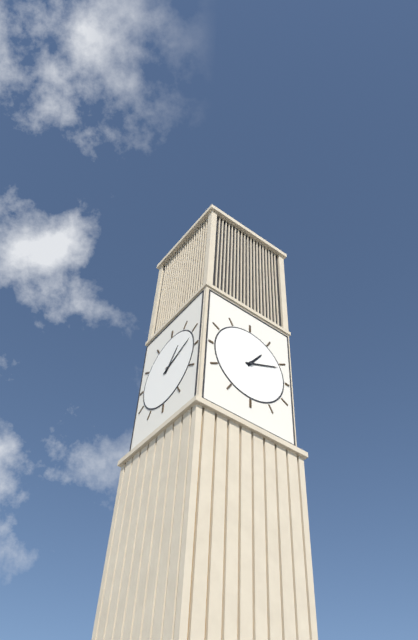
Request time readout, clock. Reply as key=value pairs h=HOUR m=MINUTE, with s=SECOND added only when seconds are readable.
h=1 m=11
